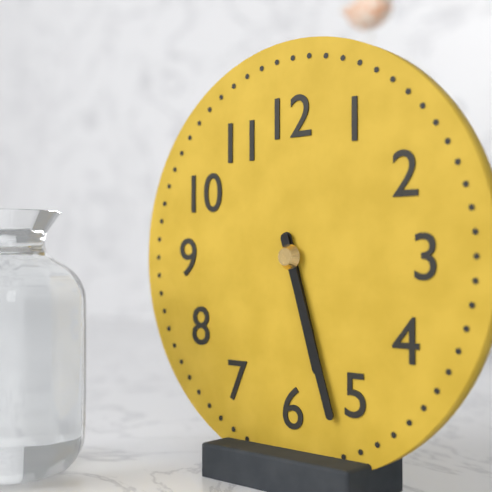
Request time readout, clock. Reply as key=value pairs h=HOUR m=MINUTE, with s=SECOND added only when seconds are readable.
h=5 m=27
